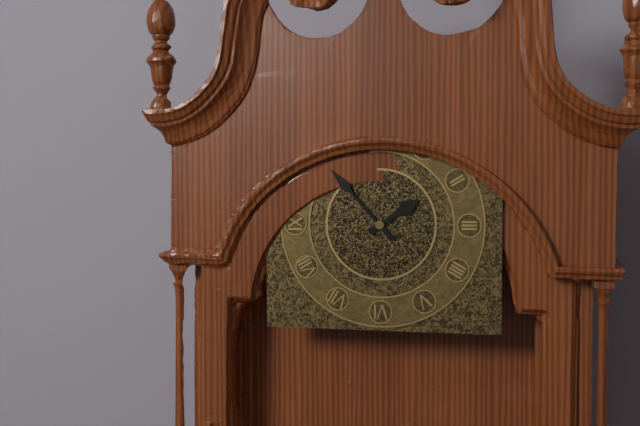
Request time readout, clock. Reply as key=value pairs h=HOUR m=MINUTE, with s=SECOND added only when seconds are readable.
h=1 m=53
